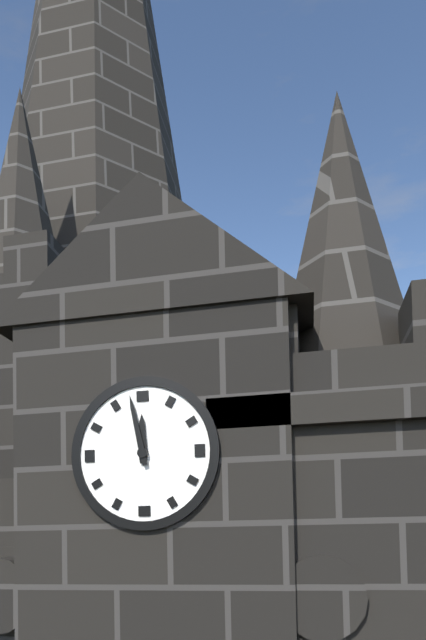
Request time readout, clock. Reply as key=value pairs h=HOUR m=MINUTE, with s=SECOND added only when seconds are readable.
h=11 m=58
